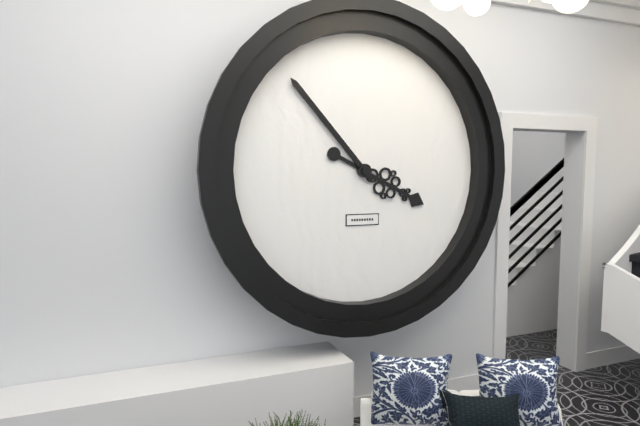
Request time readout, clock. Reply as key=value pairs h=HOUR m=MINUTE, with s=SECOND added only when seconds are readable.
h=3 m=53
